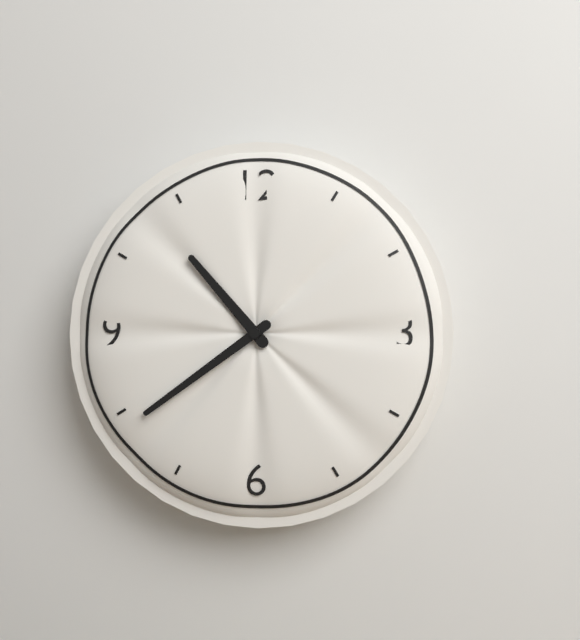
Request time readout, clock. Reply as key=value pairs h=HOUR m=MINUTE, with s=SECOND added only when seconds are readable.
h=10 m=39
